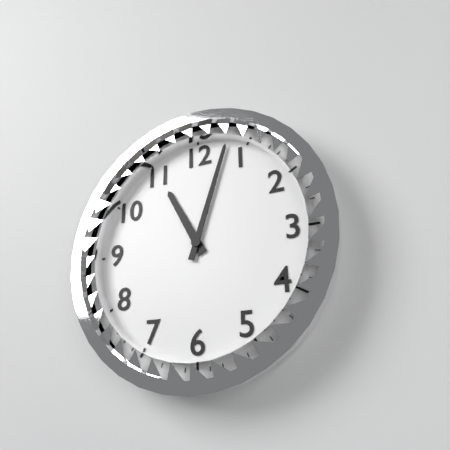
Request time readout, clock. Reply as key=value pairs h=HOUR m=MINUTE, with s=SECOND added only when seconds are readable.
h=11 m=3
